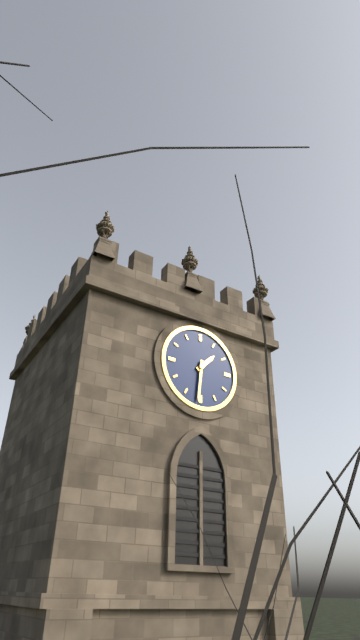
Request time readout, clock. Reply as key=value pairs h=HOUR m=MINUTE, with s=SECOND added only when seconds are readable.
h=1 m=31
